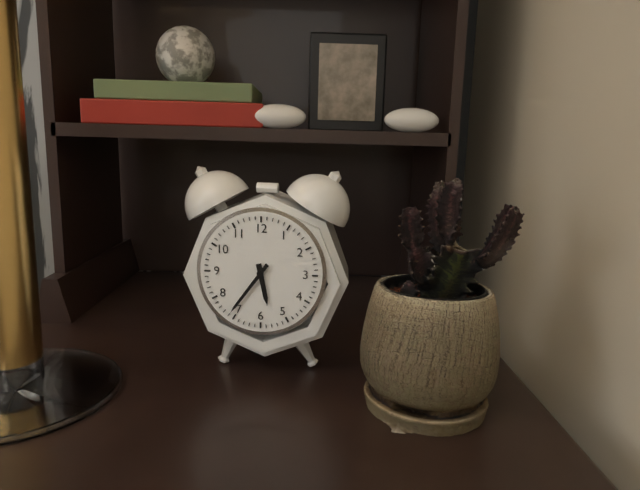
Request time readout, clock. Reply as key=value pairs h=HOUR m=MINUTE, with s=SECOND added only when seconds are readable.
h=5 m=36
